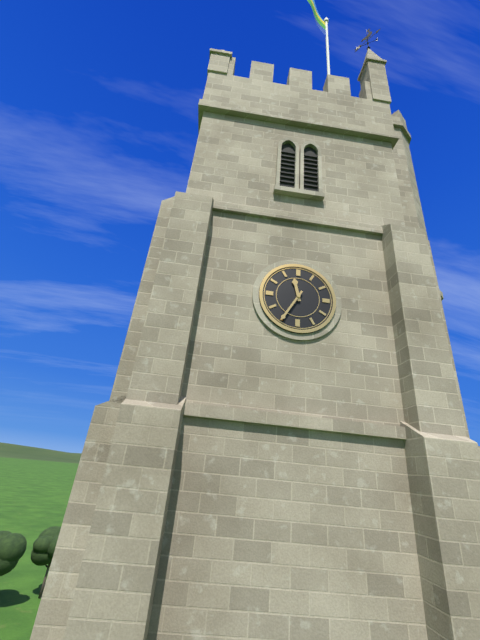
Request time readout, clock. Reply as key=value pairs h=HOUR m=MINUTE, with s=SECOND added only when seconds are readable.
h=11 m=35
